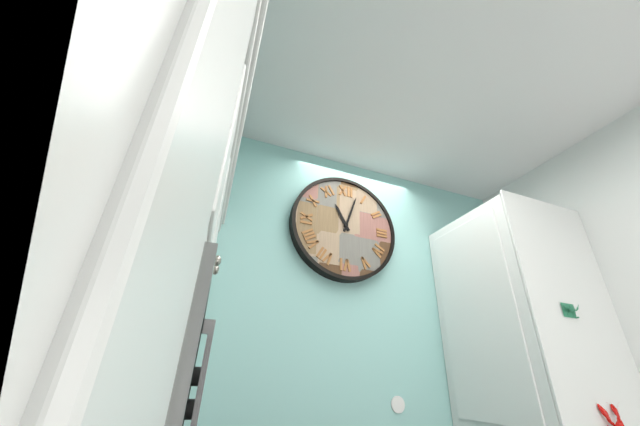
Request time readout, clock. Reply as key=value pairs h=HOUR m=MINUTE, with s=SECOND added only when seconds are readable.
h=11 m=3
